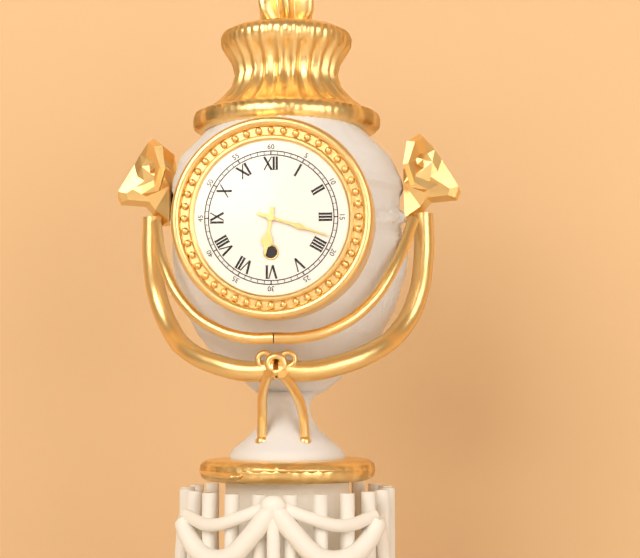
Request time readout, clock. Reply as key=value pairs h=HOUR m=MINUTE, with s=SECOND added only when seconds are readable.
h=6 m=18
